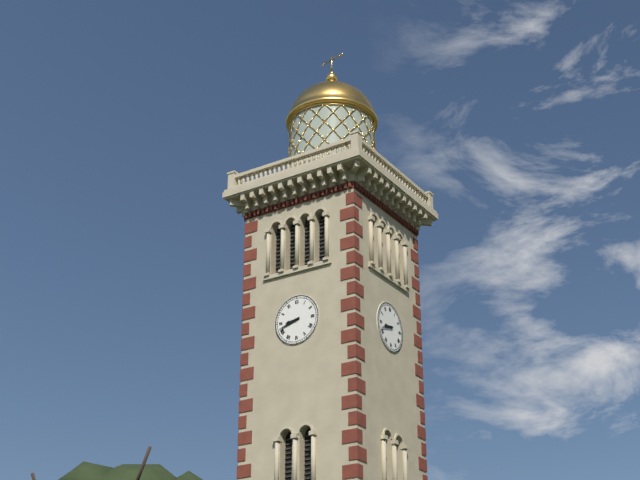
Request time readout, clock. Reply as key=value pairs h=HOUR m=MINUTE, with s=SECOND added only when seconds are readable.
h=8 m=42
